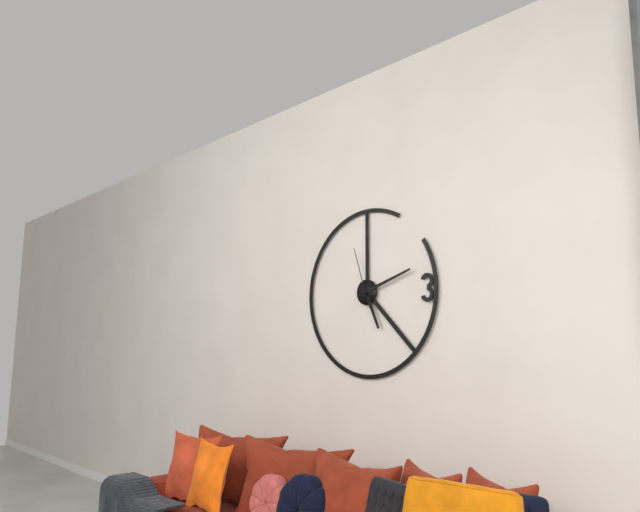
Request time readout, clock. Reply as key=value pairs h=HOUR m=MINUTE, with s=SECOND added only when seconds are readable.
h=5 m=12 s=57
